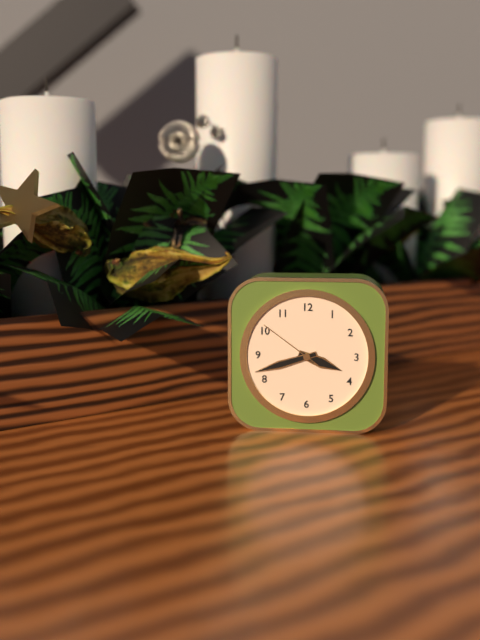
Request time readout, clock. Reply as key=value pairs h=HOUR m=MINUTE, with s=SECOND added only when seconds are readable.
h=3 m=42 s=51
